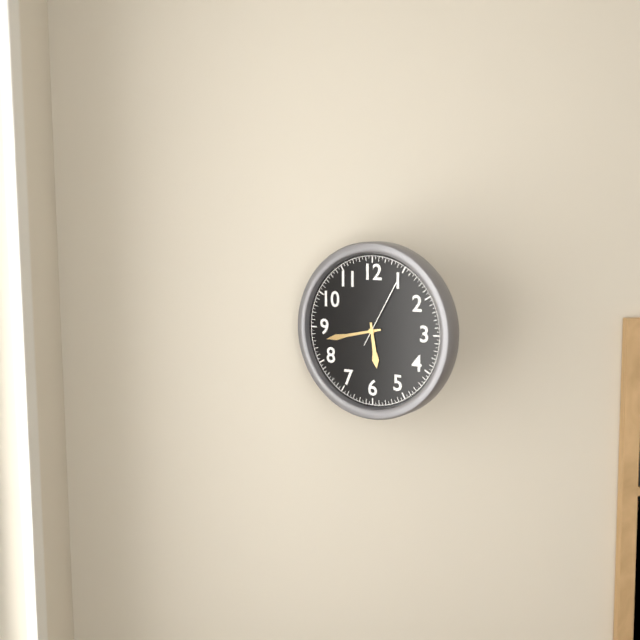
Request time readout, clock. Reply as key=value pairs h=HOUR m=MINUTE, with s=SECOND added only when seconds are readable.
h=5 m=43 s=5
